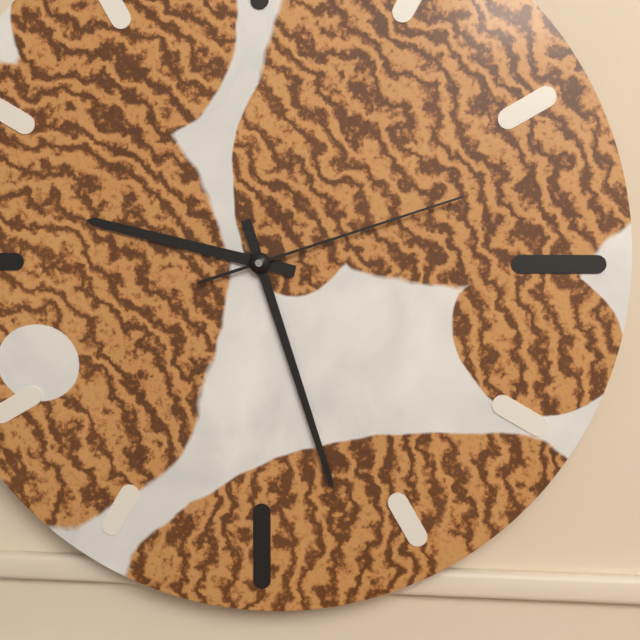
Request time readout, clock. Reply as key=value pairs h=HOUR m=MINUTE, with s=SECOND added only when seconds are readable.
h=9 m=27 s=12
